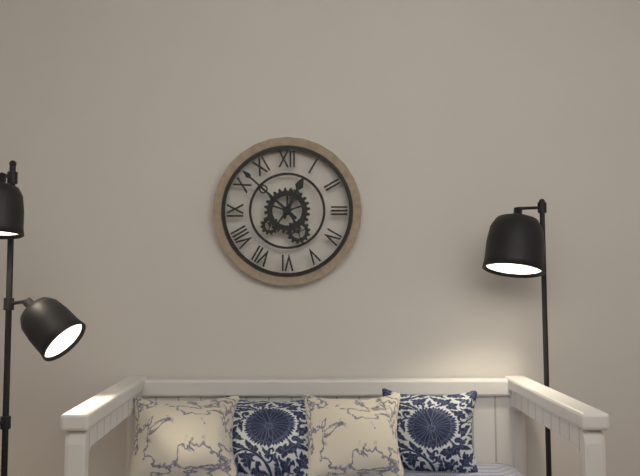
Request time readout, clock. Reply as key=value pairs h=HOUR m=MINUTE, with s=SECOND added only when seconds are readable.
h=12 m=52
